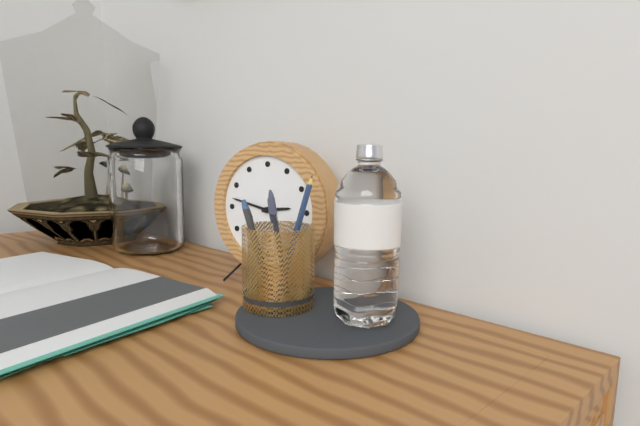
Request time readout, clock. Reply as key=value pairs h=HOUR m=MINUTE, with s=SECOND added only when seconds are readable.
h=2 m=47
